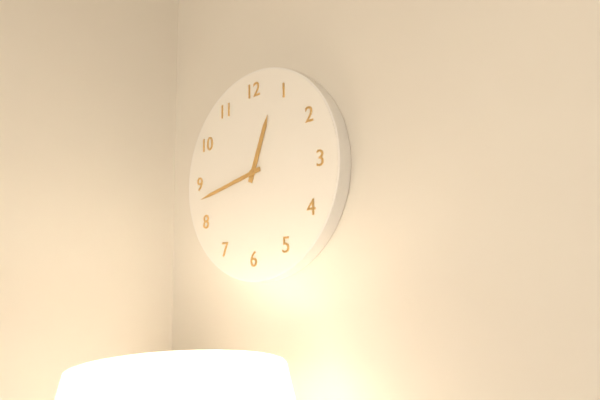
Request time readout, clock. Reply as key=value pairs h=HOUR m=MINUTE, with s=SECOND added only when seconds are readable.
h=12 m=43
